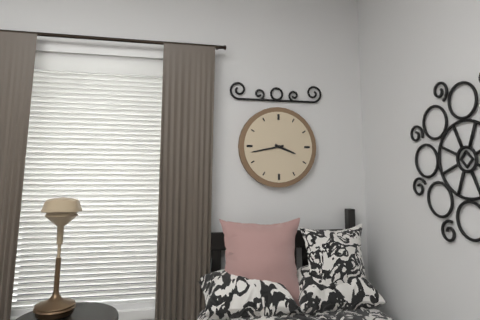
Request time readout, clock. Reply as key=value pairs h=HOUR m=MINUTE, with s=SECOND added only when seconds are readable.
h=3 m=43
